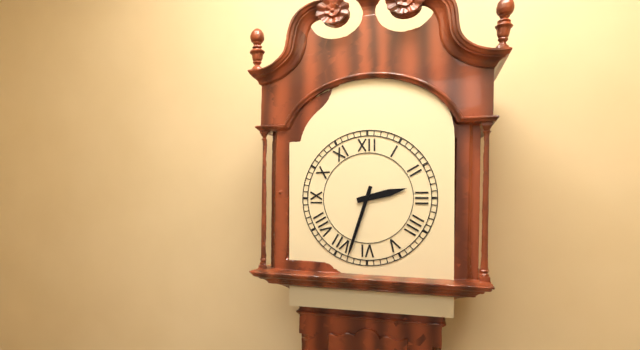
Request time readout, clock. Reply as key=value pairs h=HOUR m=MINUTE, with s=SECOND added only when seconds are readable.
h=2 m=33
